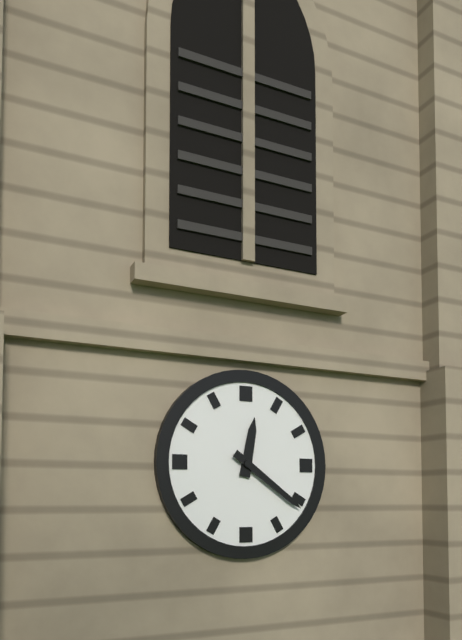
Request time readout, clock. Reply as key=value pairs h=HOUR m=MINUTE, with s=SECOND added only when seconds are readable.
h=12 m=21
